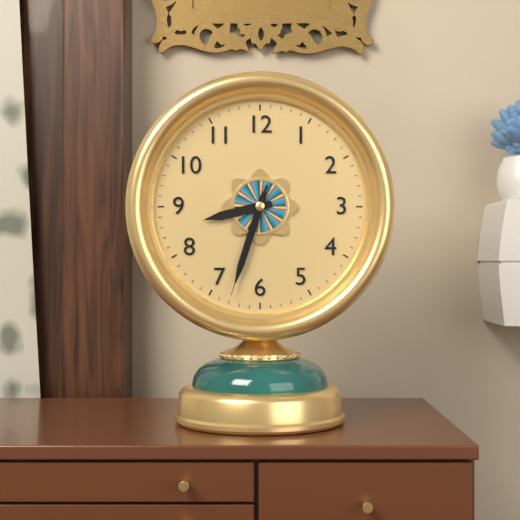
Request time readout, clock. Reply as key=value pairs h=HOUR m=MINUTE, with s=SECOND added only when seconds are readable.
h=8 m=33 s=33
